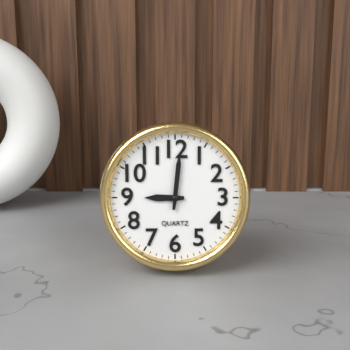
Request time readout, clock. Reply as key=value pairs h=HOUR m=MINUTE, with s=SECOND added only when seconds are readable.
h=9 m=1
